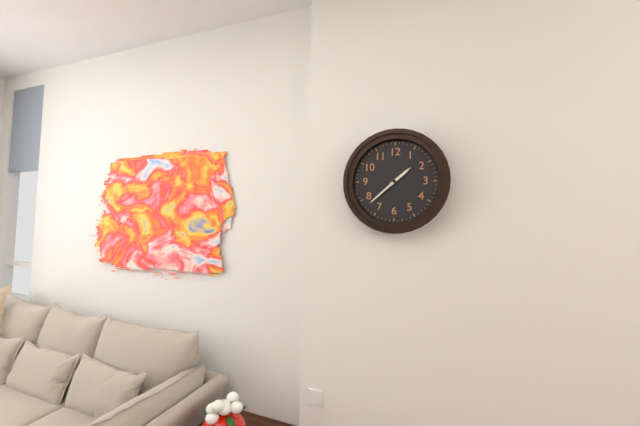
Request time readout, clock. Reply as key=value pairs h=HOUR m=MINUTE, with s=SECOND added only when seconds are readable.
h=1 m=38
